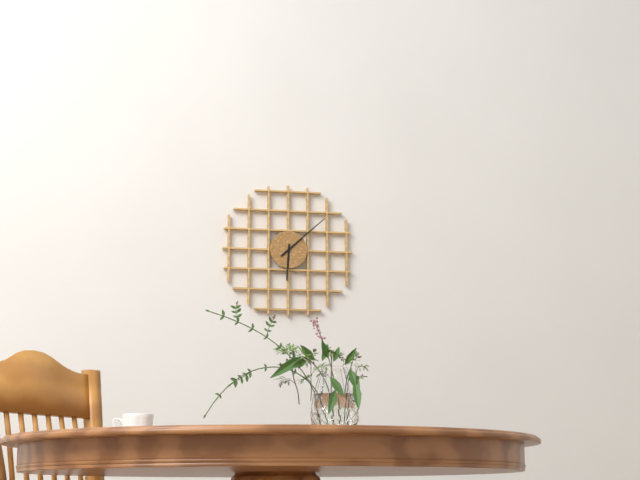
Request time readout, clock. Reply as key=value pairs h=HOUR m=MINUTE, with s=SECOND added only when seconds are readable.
h=6 m=8
